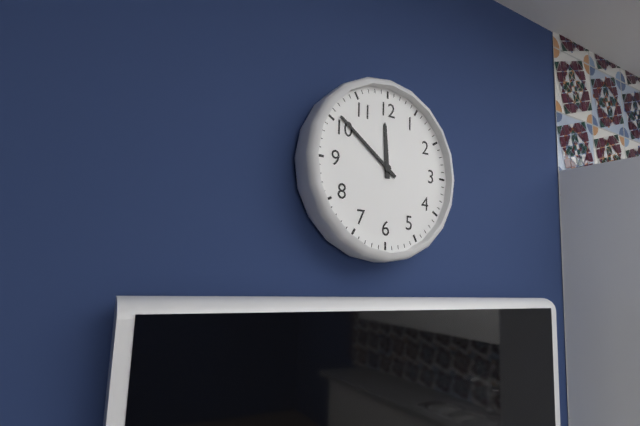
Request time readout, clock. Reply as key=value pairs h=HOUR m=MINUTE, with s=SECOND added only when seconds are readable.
h=11 m=51
